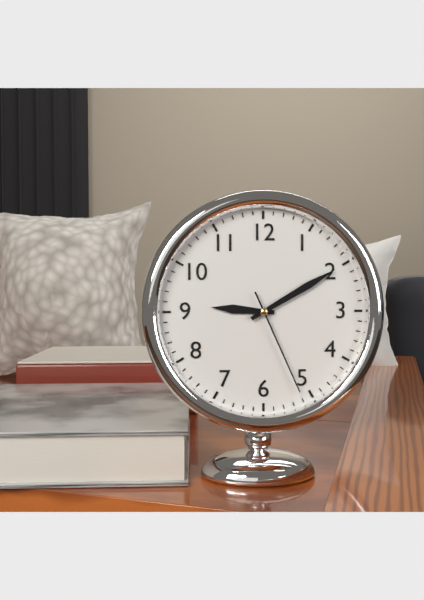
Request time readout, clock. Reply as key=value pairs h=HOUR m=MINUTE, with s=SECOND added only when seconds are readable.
h=9 m=10 s=26
